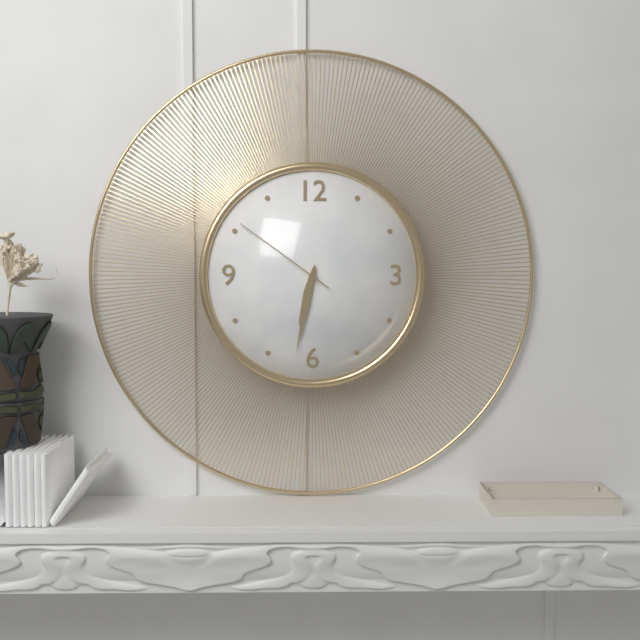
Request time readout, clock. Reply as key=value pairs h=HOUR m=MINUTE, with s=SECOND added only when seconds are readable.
h=6 m=32 s=51
